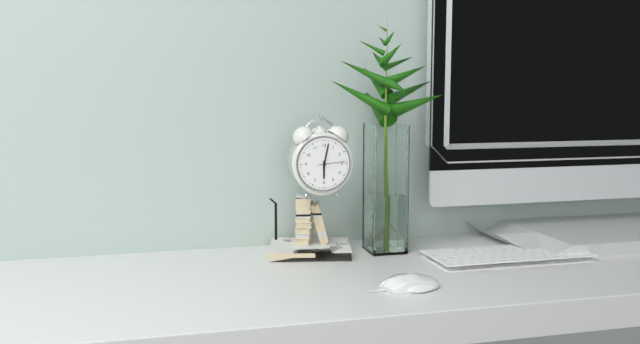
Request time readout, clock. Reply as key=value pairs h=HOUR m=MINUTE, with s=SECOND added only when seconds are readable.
h=6 m=2
